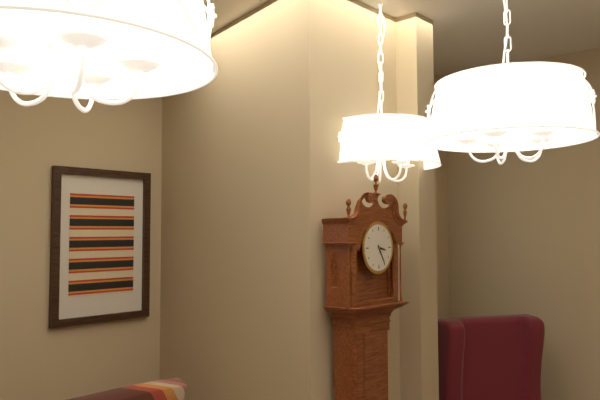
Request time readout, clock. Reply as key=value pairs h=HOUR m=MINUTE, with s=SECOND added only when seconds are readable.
h=3 m=25
